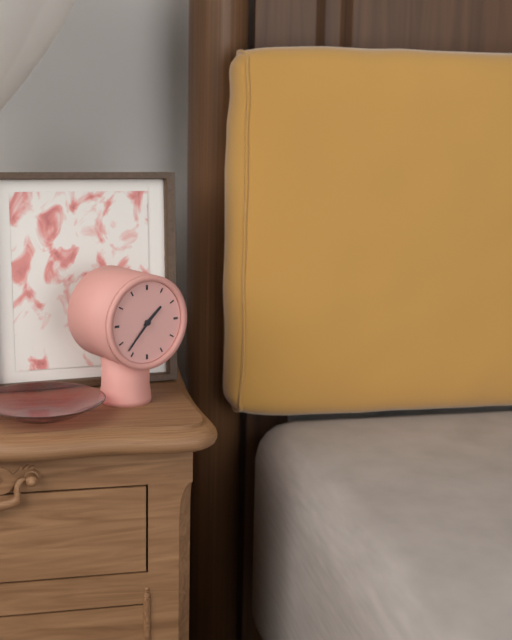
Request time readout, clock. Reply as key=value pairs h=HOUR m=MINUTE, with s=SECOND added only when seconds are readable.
h=1 m=37
